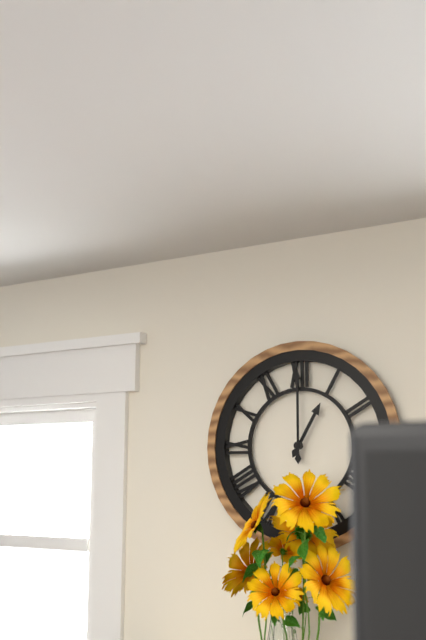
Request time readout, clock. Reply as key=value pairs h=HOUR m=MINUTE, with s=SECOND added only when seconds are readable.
h=1 m=0
